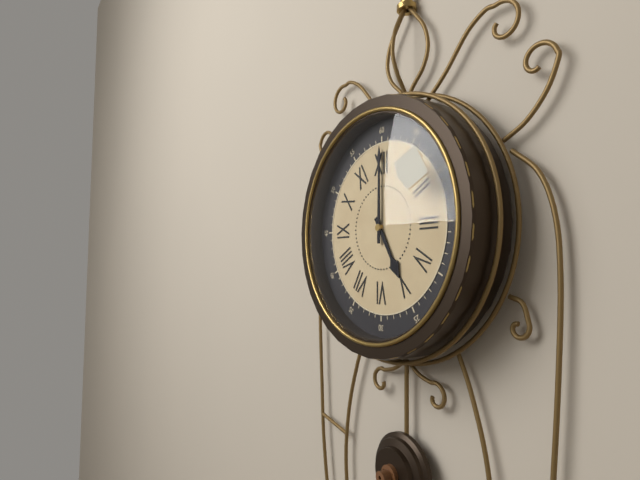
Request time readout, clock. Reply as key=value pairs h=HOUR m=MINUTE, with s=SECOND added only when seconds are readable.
h=5 m=0
